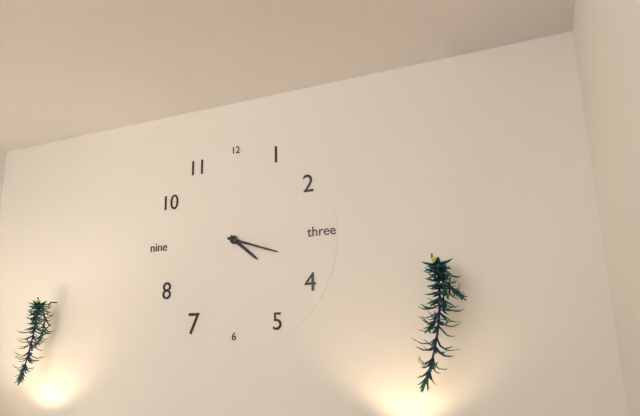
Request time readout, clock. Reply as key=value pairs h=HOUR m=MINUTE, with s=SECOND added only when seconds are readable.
h=4 m=18
